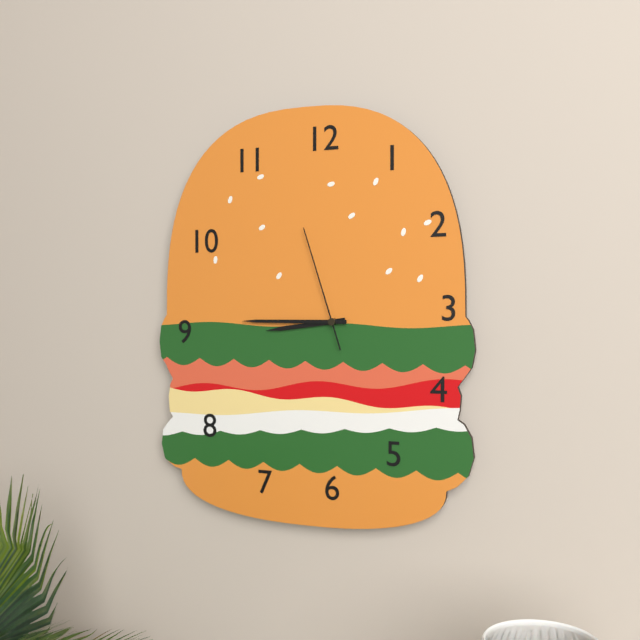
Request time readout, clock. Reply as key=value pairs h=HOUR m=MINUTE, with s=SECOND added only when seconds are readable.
h=8 m=45 s=57
